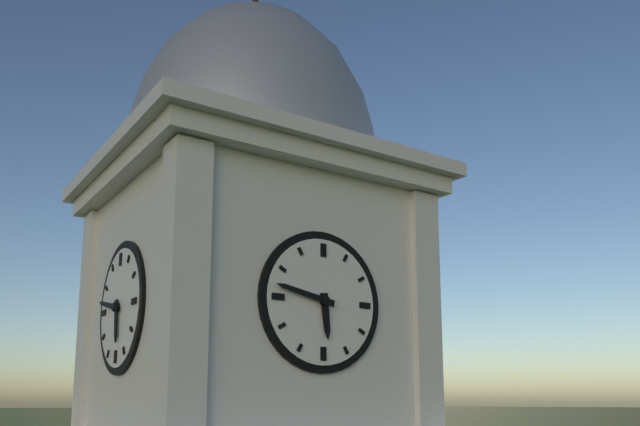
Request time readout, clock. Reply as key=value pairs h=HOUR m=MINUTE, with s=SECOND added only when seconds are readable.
h=5 m=47
